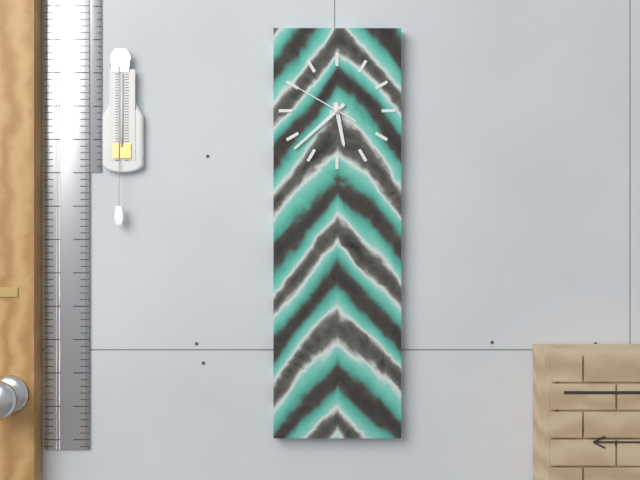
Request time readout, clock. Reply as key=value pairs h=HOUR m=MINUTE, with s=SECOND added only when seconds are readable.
h=5 m=38 s=50
